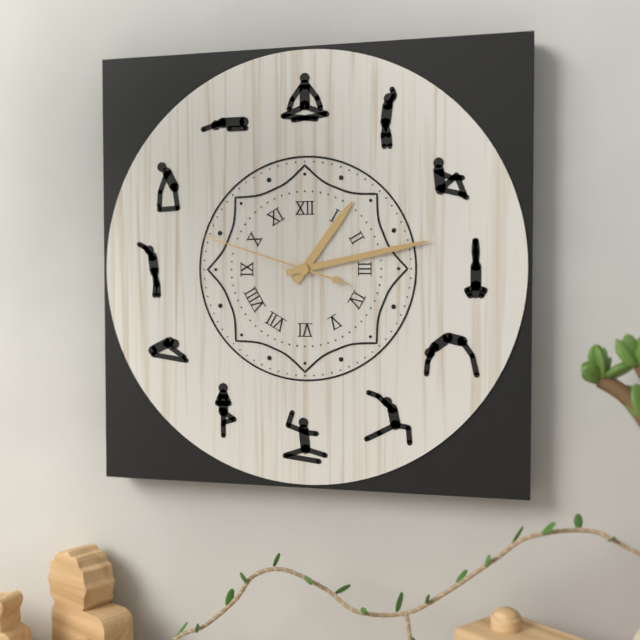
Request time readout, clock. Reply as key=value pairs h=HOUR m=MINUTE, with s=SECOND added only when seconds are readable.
h=1 m=13 s=48
